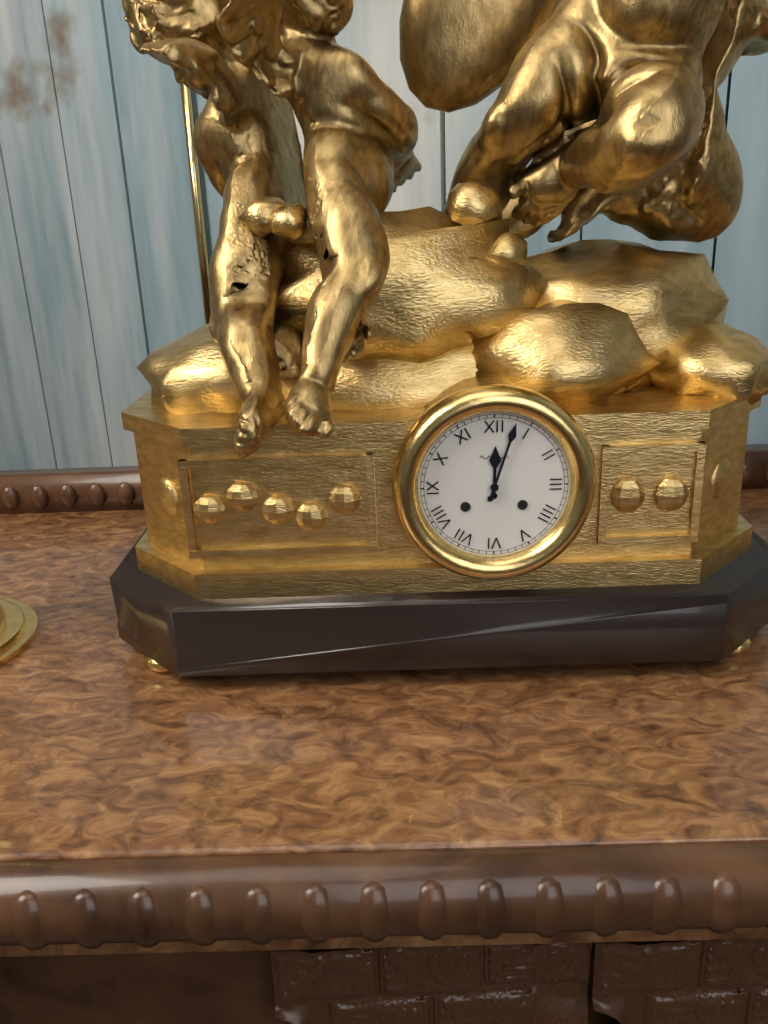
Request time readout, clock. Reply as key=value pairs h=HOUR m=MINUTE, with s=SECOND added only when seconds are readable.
h=12 m=3
